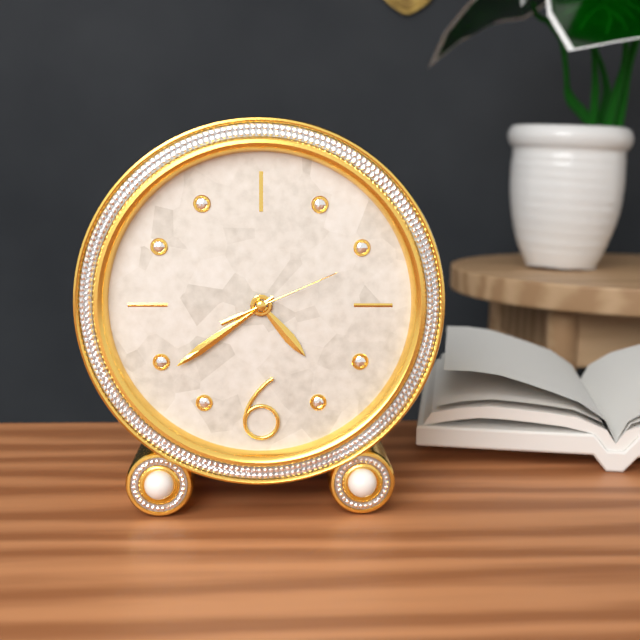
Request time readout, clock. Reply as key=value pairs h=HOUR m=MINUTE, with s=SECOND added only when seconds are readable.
h=4 m=39 s=11
